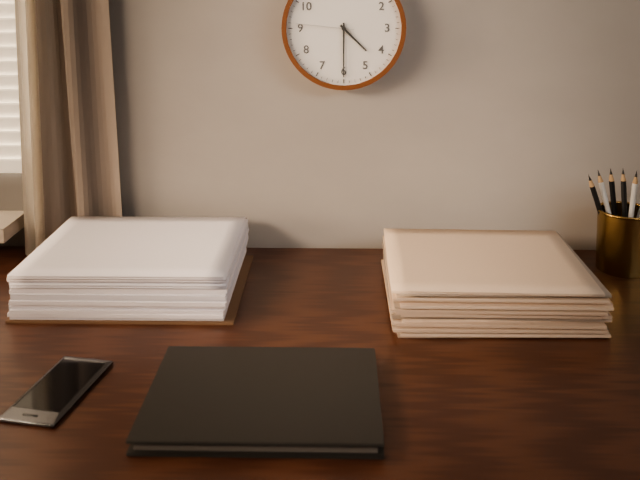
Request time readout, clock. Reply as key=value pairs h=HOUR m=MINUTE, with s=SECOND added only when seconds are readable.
h=4 m=30 s=46
